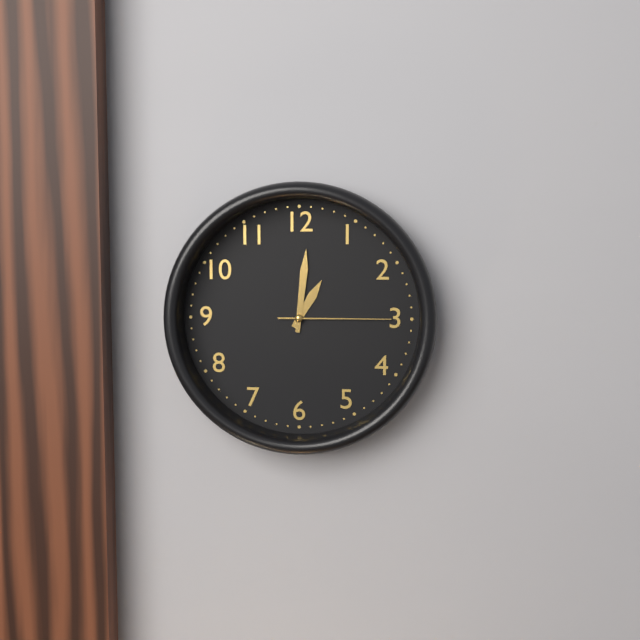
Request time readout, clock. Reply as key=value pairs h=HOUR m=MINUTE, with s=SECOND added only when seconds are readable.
h=1 m=1 s=15
